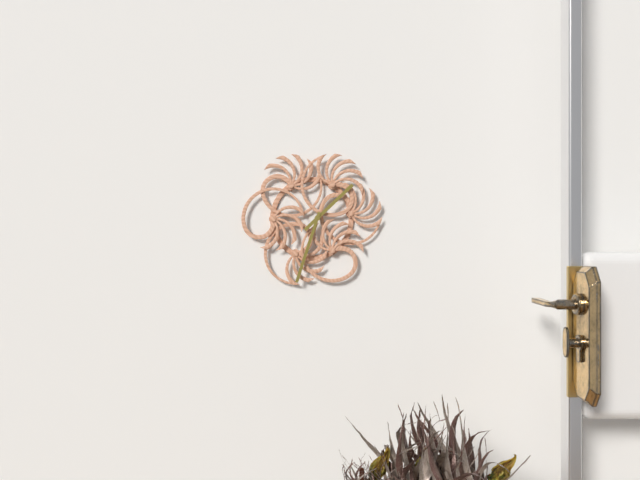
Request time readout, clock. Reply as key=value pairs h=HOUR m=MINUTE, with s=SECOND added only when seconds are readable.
h=1 m=33
